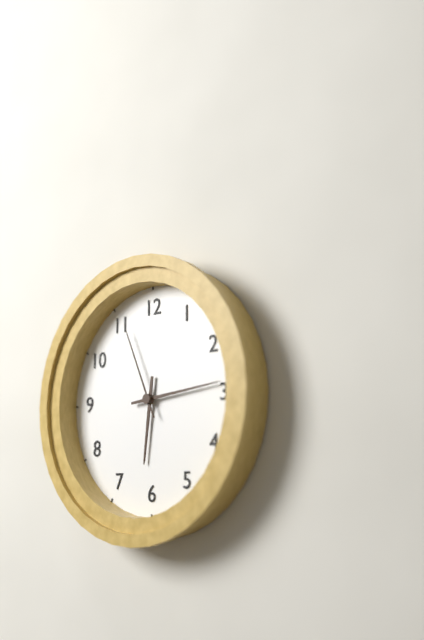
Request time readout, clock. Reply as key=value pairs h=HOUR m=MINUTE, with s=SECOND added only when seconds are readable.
h=6 m=14 s=56
